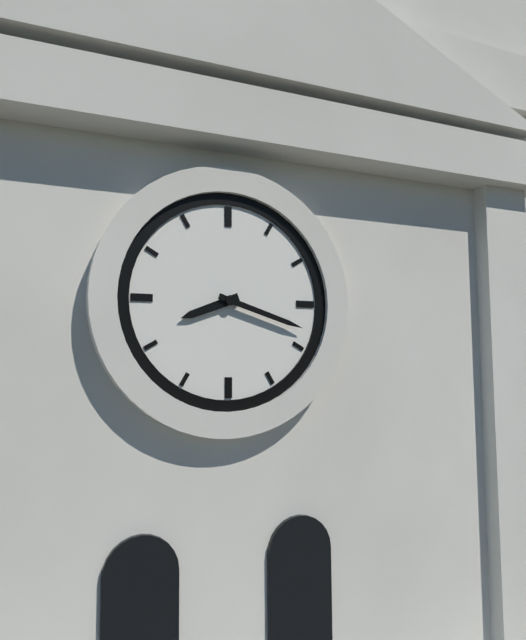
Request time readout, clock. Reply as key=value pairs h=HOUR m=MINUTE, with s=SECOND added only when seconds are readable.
h=8 m=18
